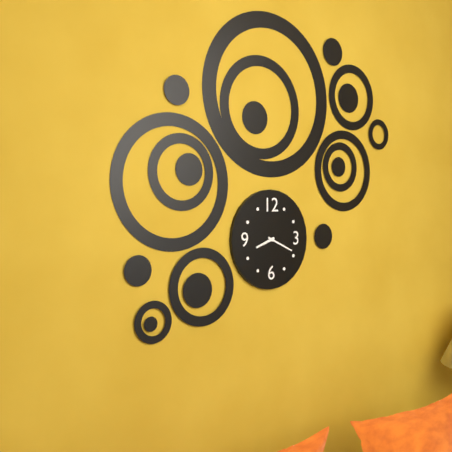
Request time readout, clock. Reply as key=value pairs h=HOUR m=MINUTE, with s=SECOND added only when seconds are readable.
h=8 m=19
